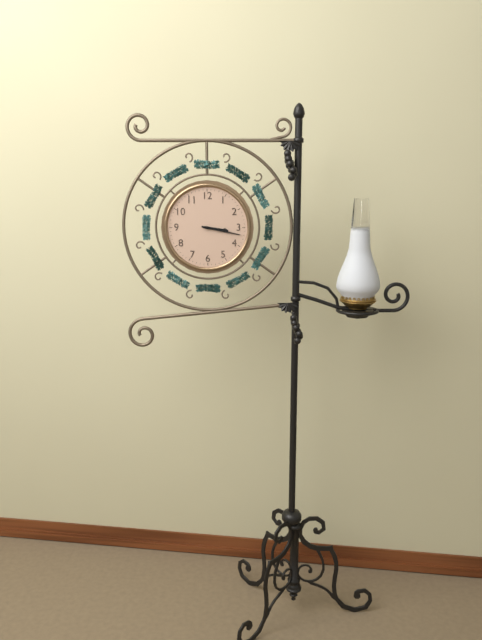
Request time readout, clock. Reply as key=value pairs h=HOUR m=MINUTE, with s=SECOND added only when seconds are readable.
h=3 m=17
